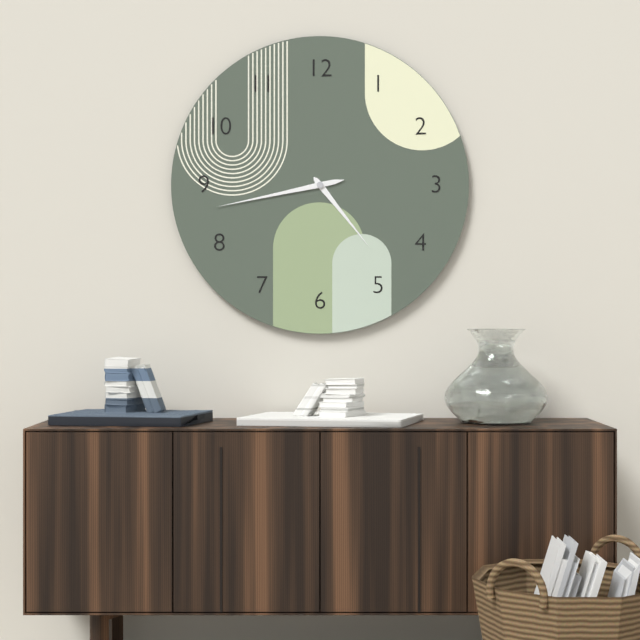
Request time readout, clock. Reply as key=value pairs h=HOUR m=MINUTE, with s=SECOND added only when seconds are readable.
h=4 m=43
